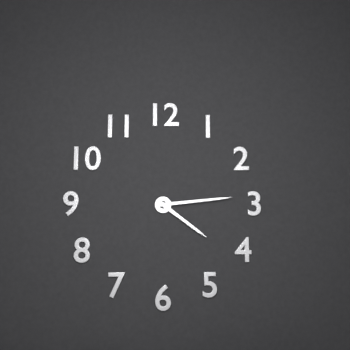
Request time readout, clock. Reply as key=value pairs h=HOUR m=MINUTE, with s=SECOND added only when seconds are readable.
h=4 m=14
